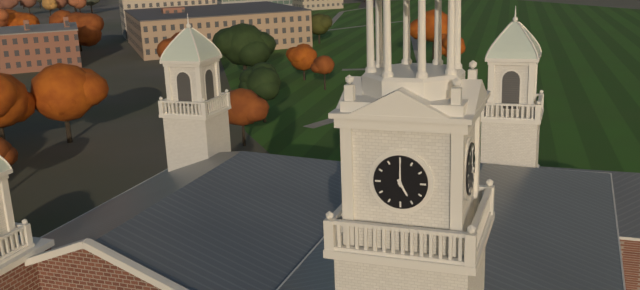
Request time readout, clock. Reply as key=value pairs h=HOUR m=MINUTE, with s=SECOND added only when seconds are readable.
h=5 m=0
